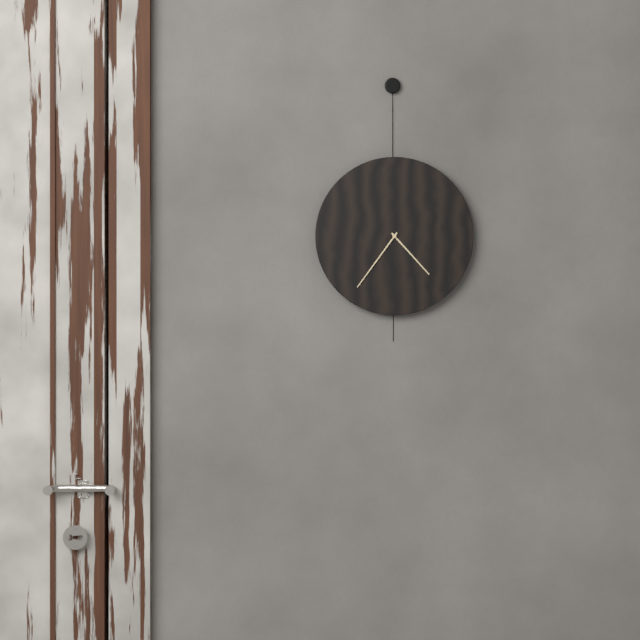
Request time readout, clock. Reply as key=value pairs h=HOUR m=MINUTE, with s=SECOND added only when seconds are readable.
h=4 m=36
